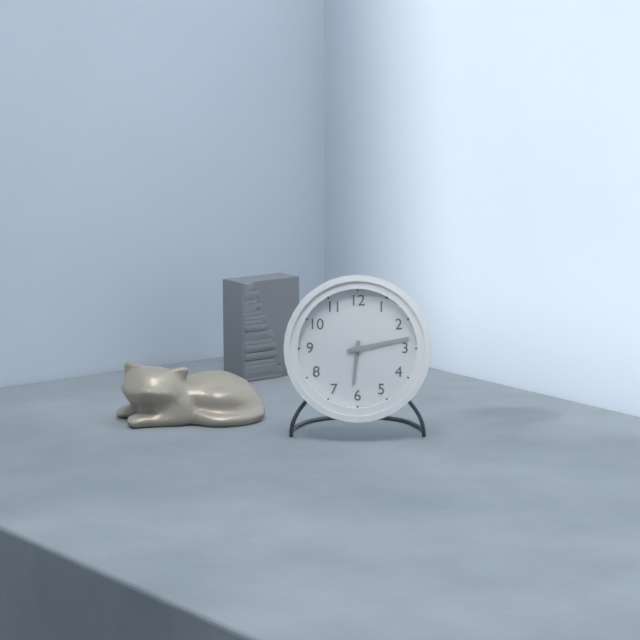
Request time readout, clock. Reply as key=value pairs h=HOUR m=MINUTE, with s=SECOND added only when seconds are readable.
h=6 m=13
